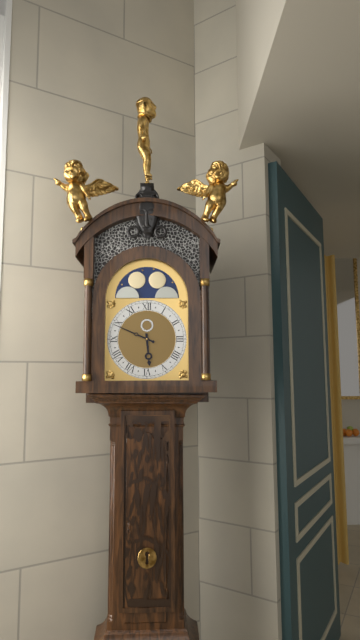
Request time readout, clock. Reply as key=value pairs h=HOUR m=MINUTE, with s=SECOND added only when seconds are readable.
h=5 m=49
